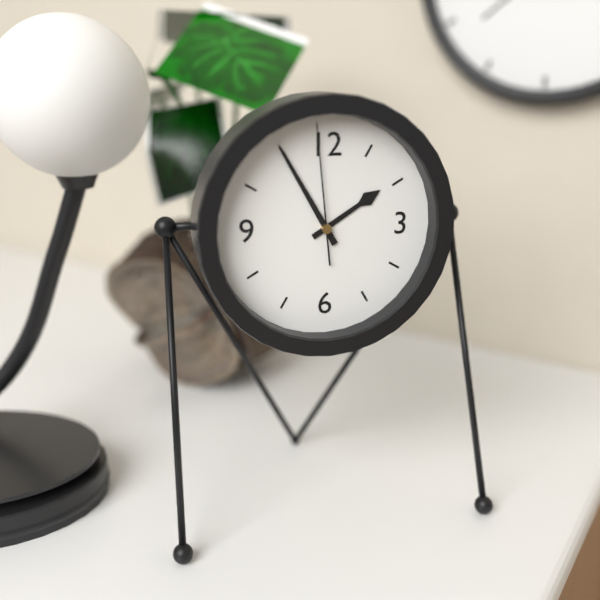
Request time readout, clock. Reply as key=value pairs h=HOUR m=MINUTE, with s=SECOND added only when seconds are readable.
h=1 m=55 s=59
